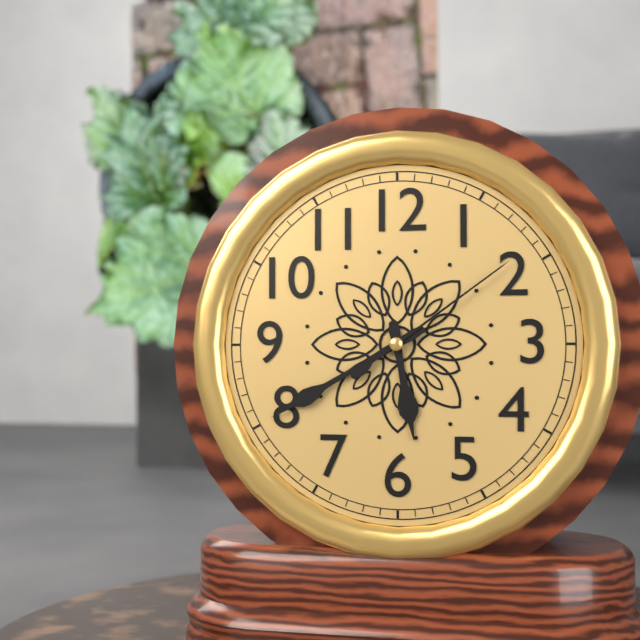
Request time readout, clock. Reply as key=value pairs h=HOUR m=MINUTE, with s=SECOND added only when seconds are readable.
h=5 m=40 s=9
